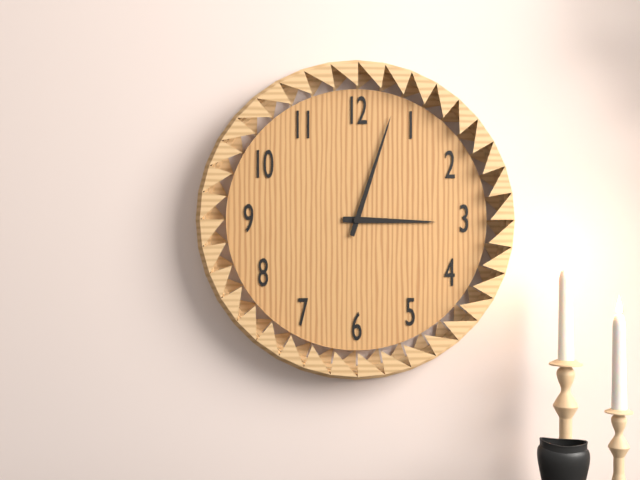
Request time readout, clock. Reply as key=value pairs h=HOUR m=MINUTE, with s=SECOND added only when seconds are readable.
h=3 m=3
